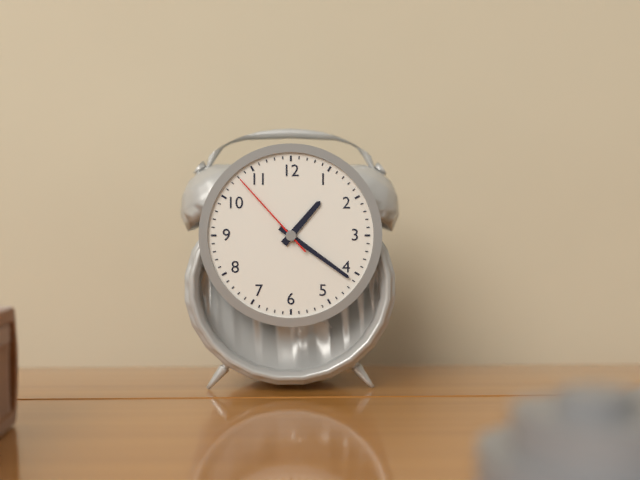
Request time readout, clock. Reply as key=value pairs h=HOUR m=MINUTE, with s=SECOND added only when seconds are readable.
h=1 m=21 s=53
